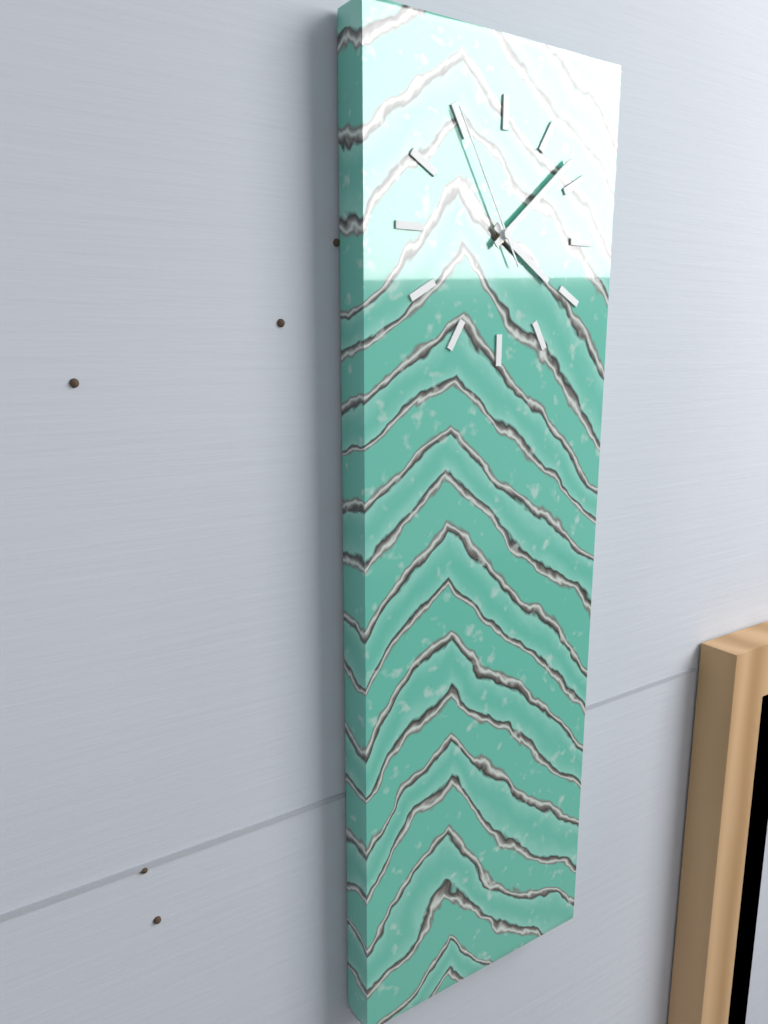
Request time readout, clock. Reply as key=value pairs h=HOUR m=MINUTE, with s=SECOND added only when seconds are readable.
h=4 m=8 s=55
